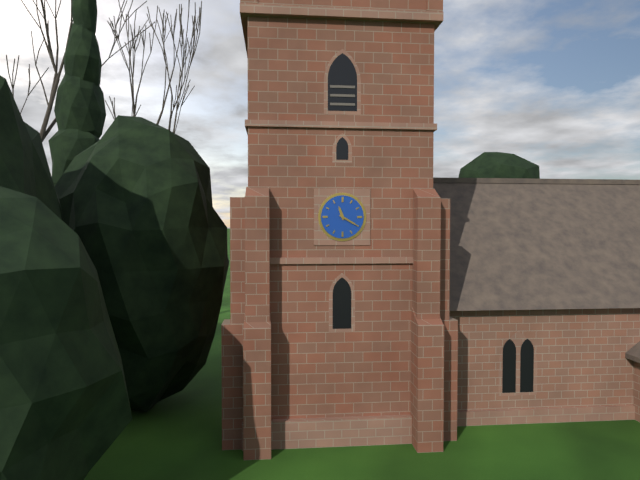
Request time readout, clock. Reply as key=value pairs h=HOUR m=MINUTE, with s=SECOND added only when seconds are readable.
h=11 m=20
